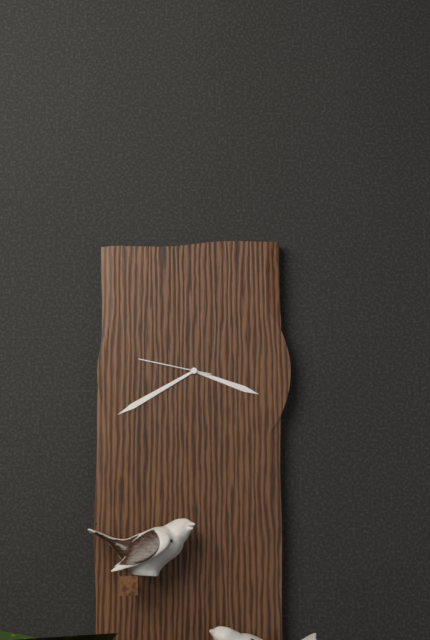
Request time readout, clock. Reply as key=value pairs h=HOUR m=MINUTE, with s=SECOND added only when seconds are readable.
h=3 m=40 s=47
